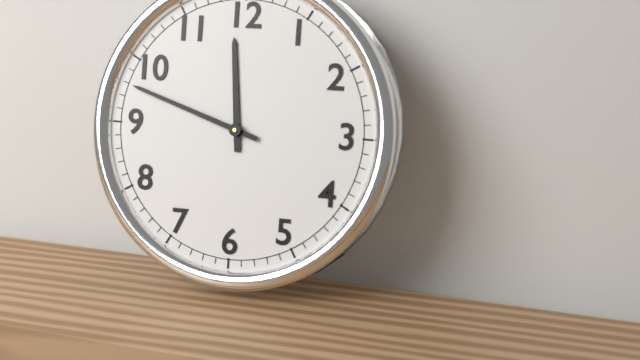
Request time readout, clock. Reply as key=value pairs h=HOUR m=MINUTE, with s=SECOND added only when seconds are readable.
h=11 m=48
